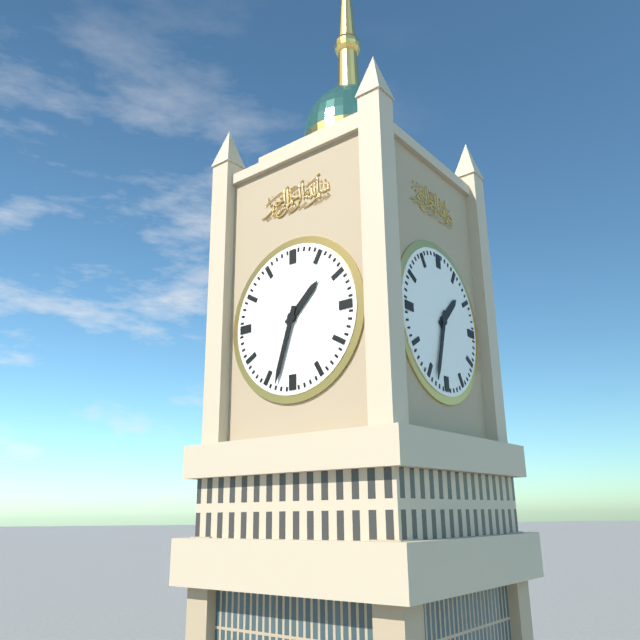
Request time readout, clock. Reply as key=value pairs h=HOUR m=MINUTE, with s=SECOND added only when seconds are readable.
h=1 m=33
